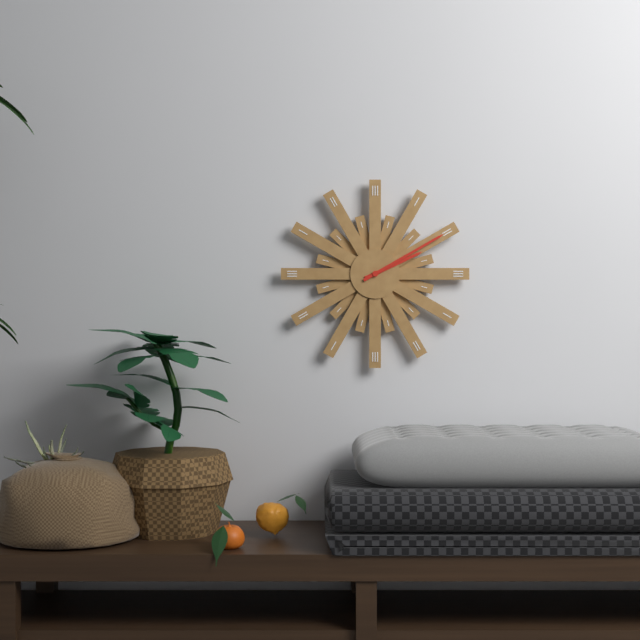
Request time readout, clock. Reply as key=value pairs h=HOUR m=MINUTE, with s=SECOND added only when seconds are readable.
h=2 m=10
